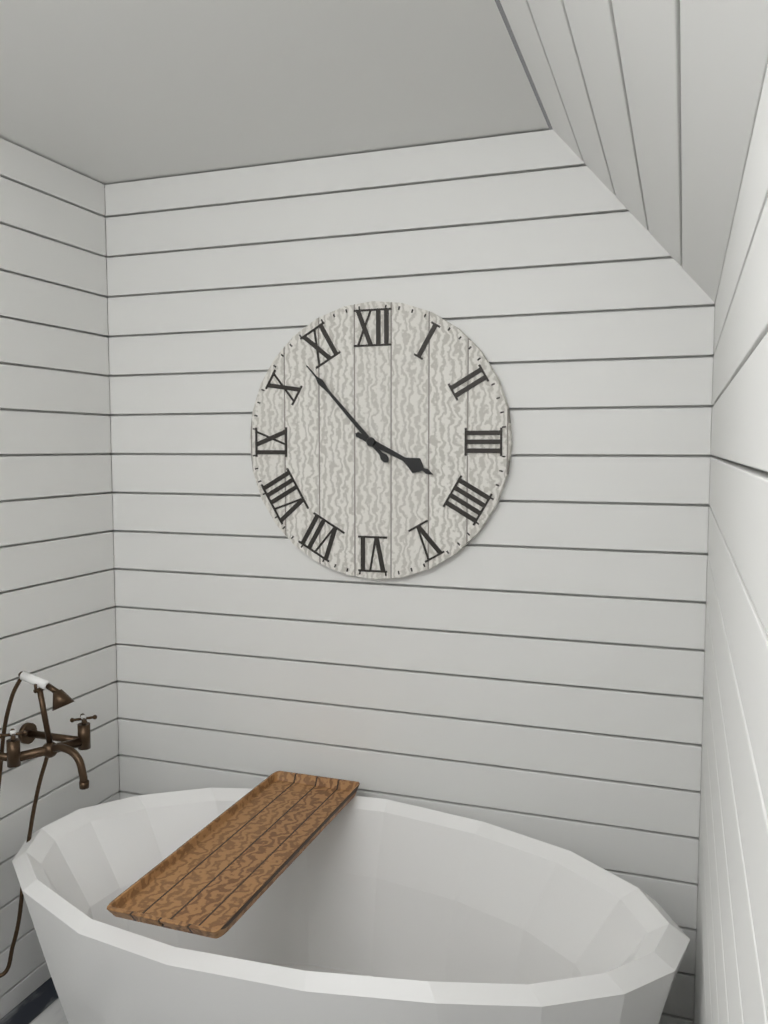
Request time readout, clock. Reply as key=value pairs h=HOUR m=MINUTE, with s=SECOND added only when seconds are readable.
h=3 m=53
